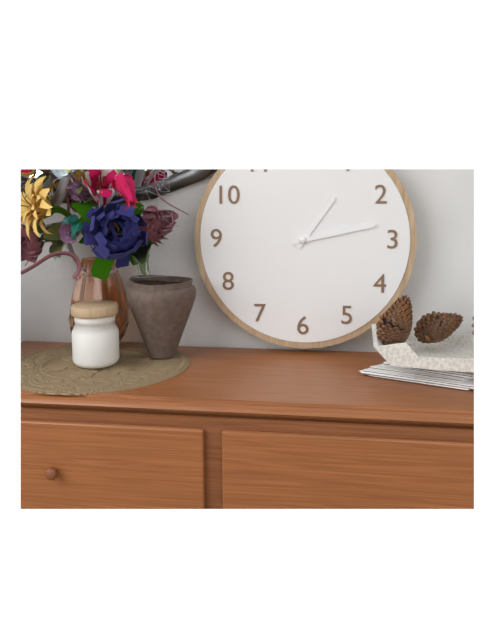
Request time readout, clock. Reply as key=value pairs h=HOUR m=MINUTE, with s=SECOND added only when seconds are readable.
h=1 m=13
